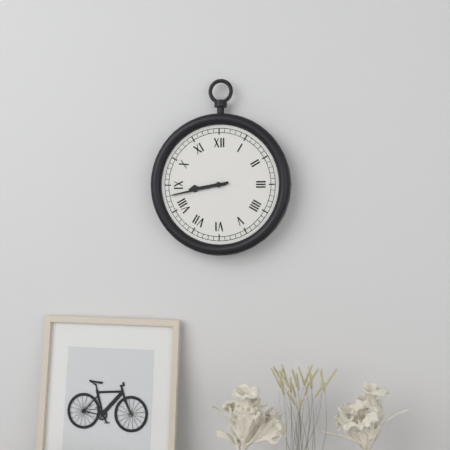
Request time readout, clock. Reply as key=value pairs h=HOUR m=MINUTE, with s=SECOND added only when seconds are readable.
h=8 m=43
